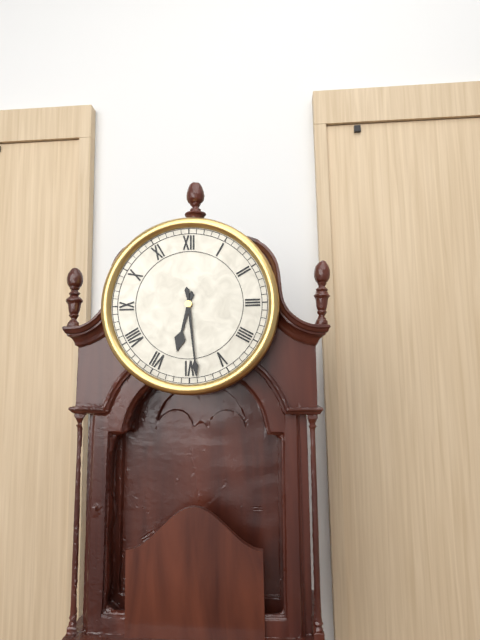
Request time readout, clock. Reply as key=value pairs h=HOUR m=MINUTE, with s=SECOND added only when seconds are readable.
h=6 m=29
